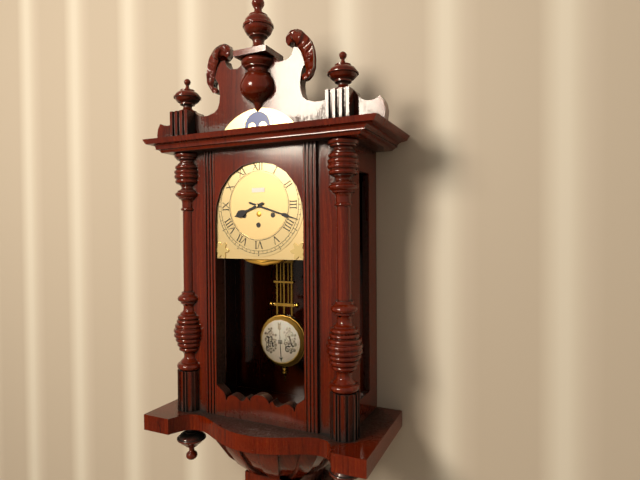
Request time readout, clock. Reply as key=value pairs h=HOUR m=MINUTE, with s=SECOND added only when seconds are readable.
h=8 m=18
